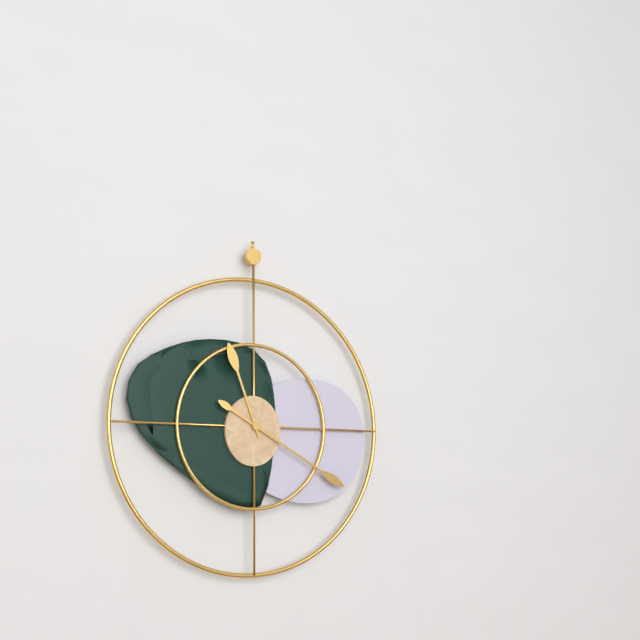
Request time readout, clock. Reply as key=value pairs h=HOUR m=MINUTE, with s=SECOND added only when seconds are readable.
h=11 m=20
